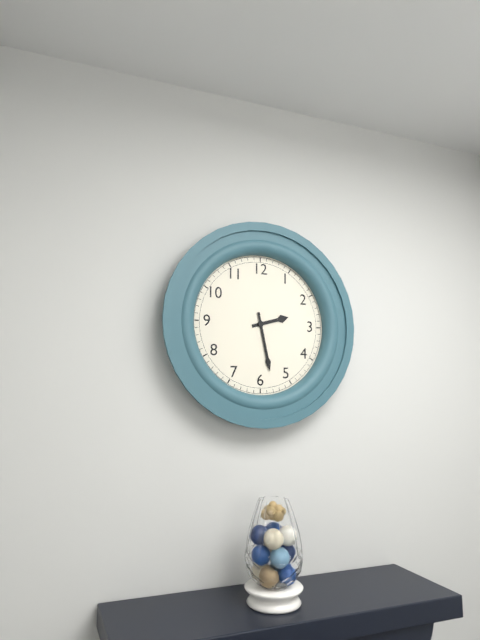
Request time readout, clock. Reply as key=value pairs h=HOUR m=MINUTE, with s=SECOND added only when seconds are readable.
h=2 m=28
